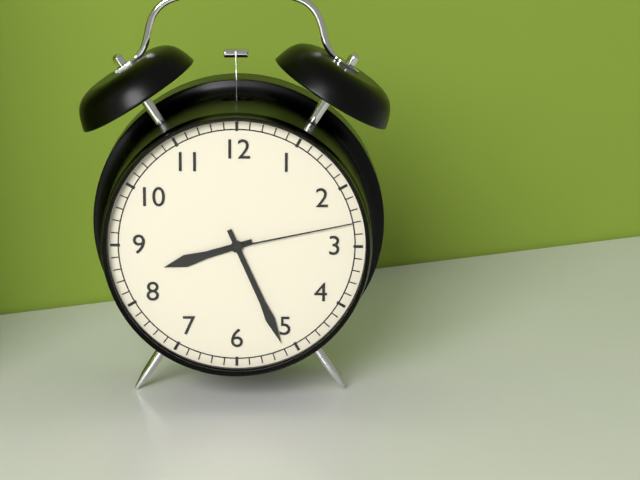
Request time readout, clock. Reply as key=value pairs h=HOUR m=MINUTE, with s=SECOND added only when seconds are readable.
h=8 m=26 s=13
